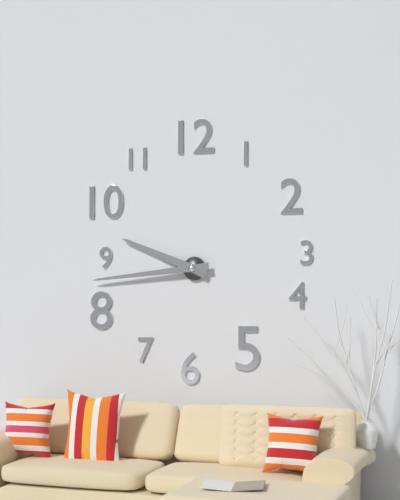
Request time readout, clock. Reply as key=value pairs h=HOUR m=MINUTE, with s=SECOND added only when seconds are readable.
h=9 m=44
